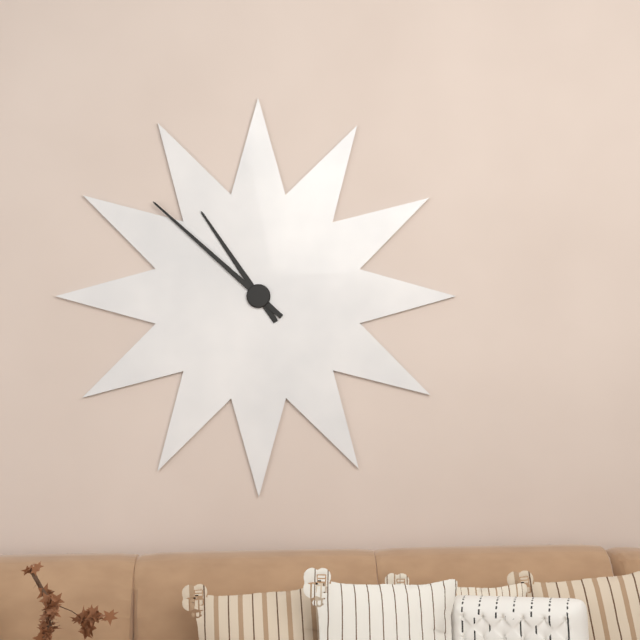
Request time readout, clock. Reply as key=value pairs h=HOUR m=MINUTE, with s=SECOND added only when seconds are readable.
h=10 m=52
